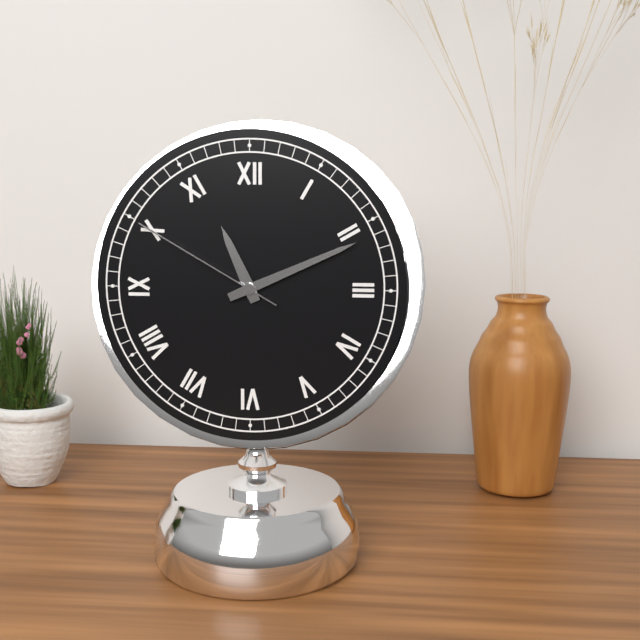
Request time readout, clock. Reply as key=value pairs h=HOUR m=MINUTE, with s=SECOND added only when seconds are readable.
h=11 m=11 s=50
